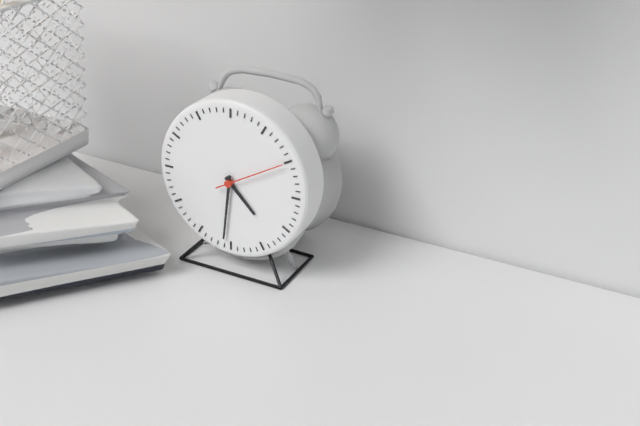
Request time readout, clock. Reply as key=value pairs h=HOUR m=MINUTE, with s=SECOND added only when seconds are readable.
h=4 m=31 s=10
